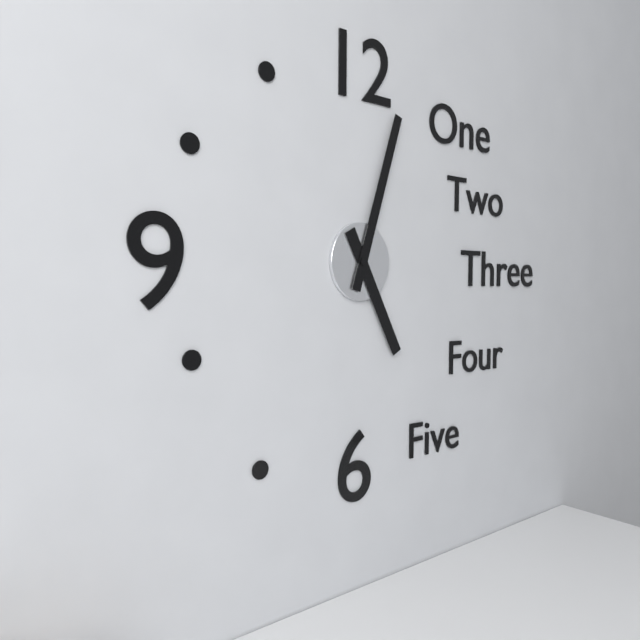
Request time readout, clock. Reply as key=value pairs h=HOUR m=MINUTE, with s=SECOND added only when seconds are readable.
h=5 m=3
